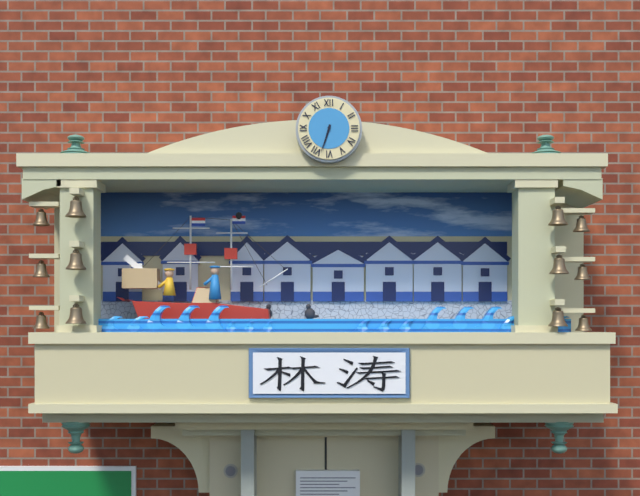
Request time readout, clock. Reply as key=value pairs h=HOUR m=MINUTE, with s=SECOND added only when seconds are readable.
h=6 m=33
